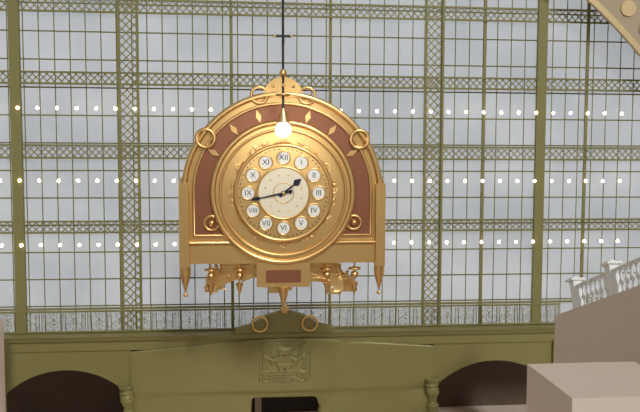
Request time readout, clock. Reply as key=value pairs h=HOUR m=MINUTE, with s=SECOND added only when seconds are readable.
h=1 m=43
